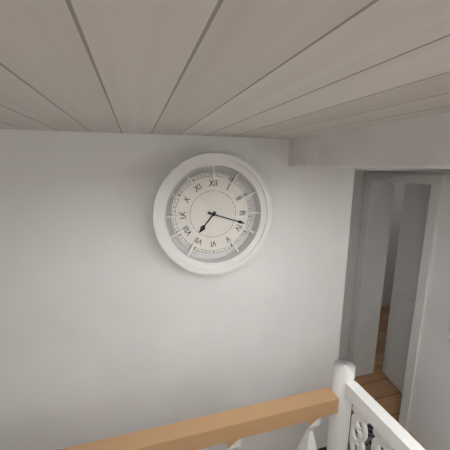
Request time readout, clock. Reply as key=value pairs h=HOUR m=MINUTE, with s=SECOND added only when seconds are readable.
h=7 m=18
